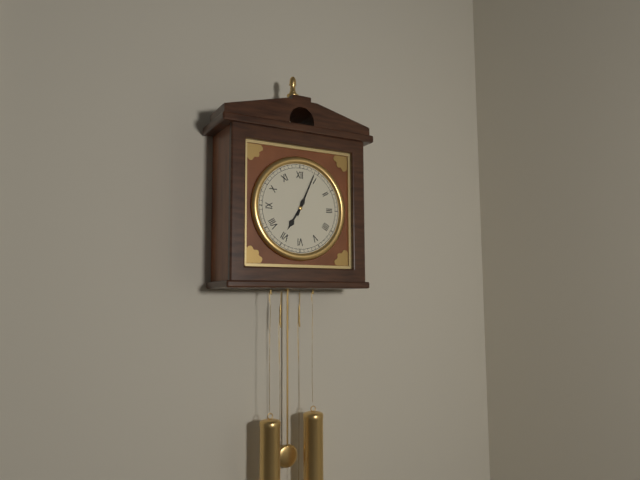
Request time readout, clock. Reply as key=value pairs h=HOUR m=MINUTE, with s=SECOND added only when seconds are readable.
h=7 m=4
